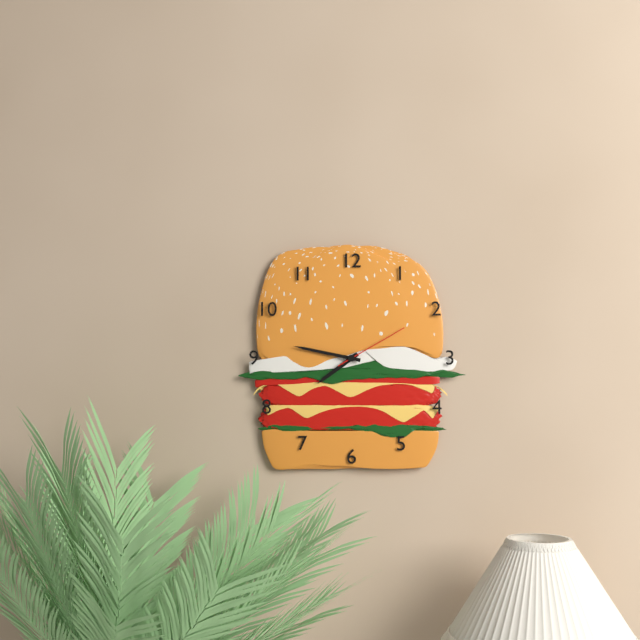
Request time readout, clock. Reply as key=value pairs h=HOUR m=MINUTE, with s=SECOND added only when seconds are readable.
h=7 m=47 s=10
